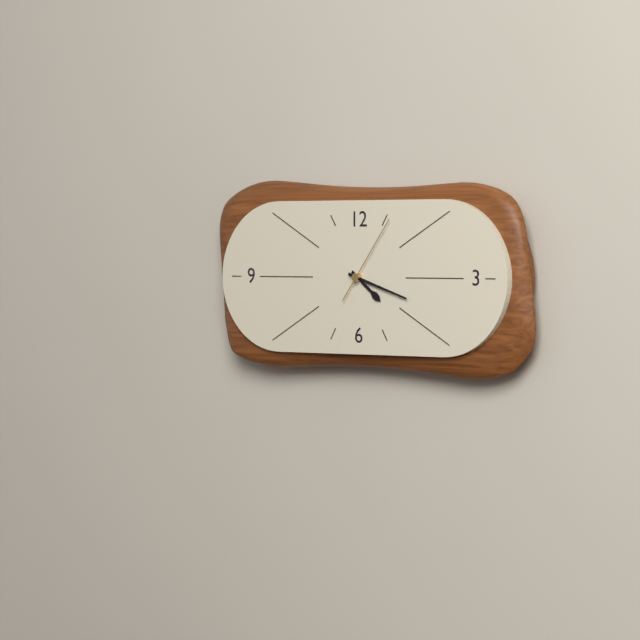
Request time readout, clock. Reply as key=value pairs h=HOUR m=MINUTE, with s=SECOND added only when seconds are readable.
h=4 m=18 s=6
